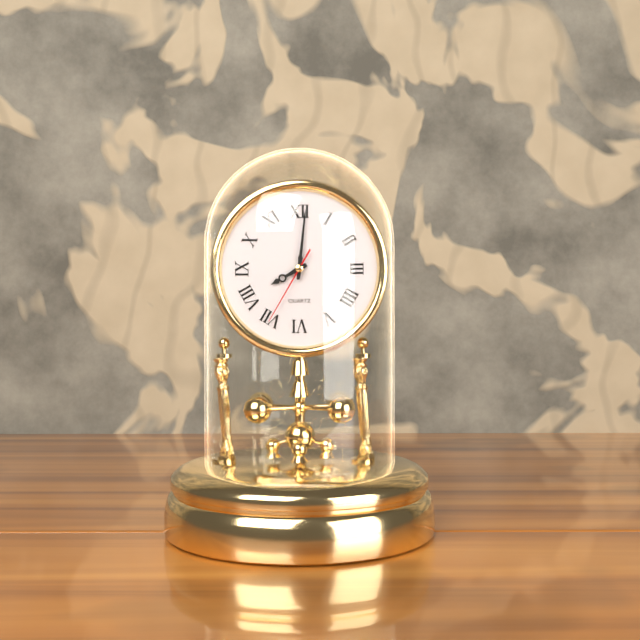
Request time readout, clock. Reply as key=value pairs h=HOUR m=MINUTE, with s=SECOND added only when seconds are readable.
h=8 m=1 s=35
